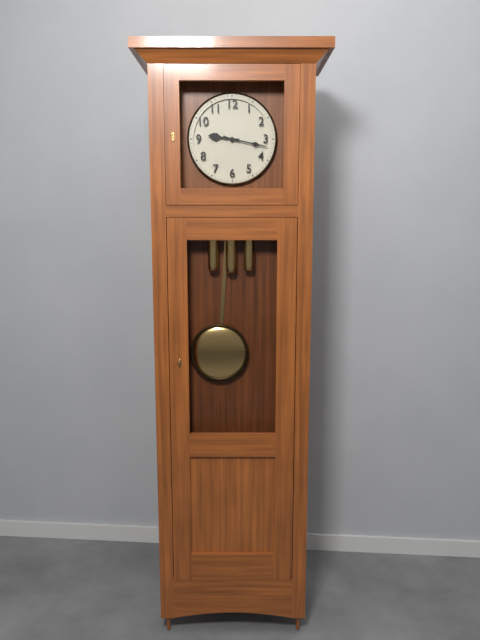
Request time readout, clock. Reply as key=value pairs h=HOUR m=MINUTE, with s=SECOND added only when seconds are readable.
h=9 m=17
